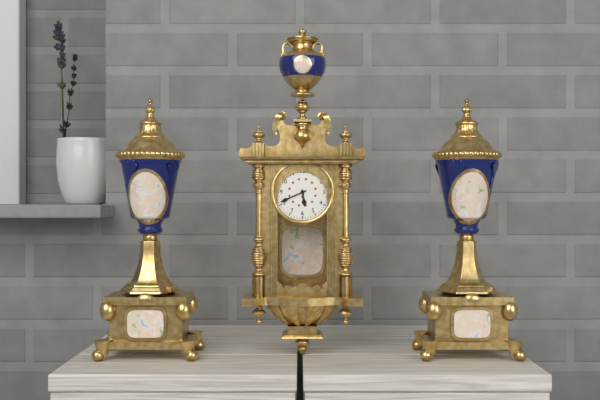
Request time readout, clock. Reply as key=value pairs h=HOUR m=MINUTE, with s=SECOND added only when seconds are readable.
h=5 m=41
